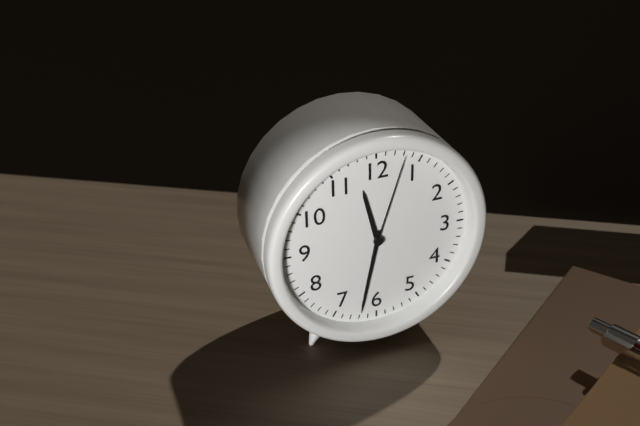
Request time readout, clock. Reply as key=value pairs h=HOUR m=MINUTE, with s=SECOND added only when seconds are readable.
h=11 m=32 s=3
